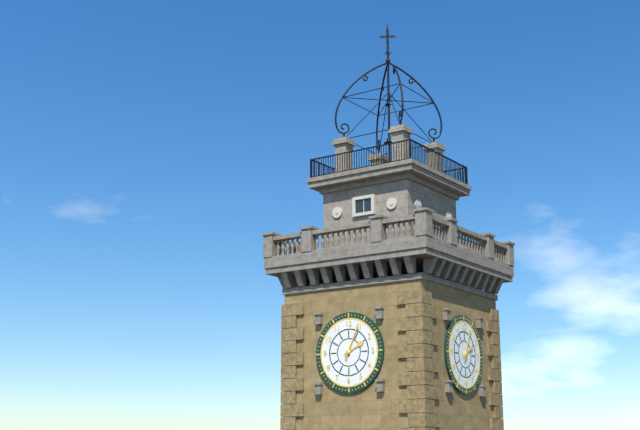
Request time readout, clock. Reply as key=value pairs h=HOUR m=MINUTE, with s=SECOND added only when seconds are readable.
h=2 m=4
